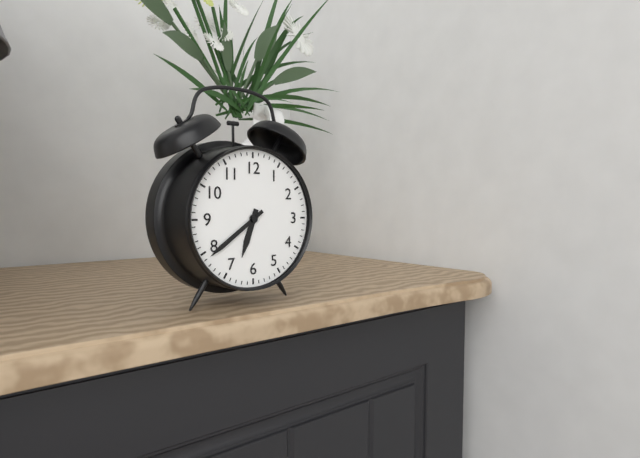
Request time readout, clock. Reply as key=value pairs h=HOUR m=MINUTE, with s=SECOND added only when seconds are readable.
h=6 m=39
